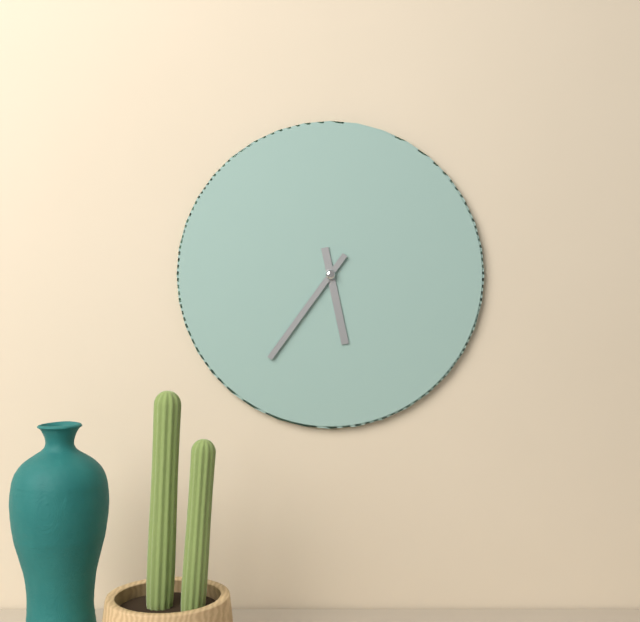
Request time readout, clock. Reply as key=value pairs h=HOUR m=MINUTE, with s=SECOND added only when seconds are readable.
h=5 m=36
